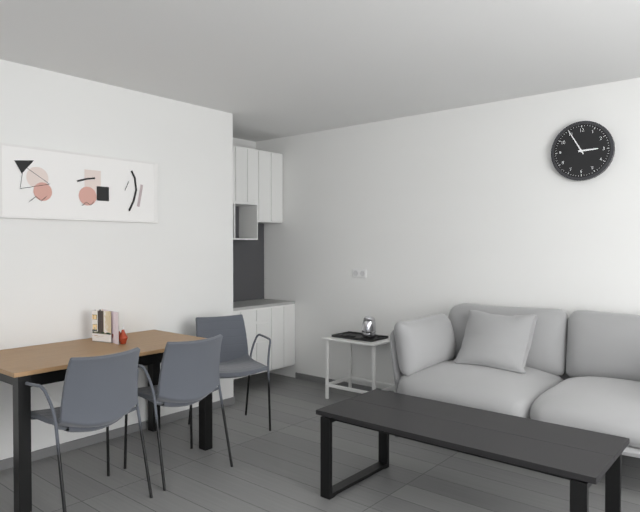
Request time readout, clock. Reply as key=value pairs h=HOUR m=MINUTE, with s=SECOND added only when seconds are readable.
h=2 m=55
